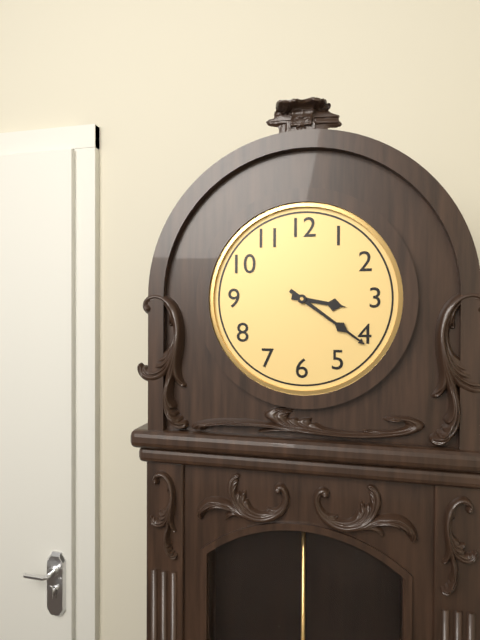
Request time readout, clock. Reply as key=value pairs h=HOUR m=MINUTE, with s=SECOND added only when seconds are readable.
h=3 m=21
